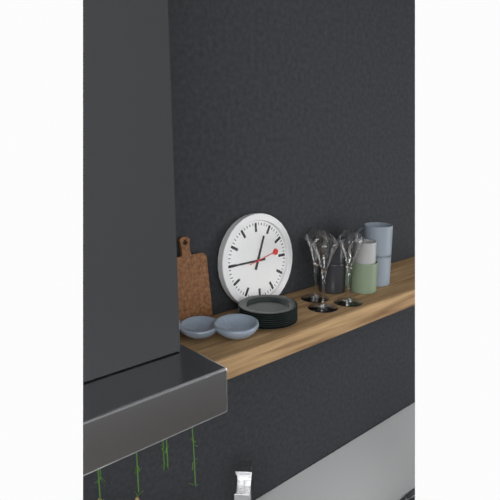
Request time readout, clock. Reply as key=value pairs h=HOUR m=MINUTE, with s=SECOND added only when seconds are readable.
h=12 m=45
